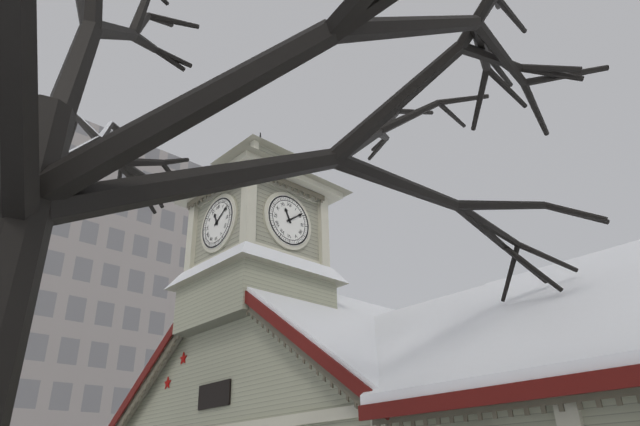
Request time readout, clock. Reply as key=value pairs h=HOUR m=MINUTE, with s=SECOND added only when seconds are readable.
h=11 m=9
